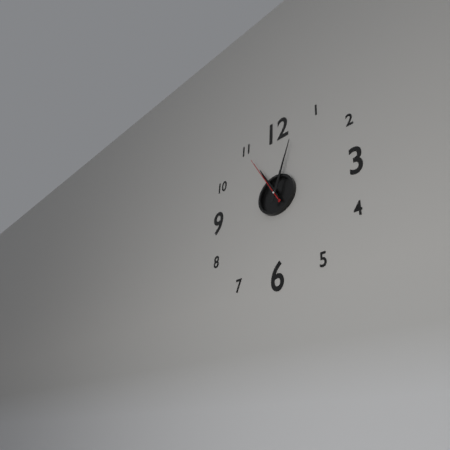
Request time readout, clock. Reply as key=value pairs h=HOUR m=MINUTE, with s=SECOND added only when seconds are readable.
h=11 m=3 s=55
